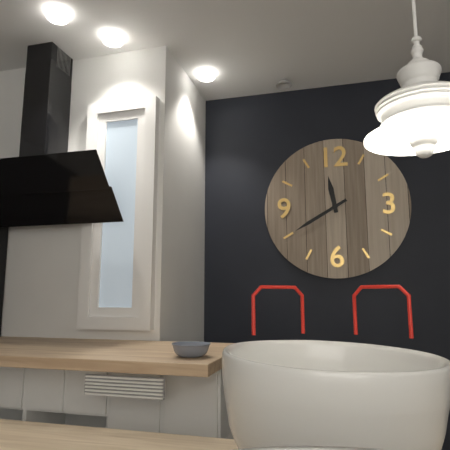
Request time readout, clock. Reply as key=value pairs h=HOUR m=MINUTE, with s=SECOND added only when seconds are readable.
h=11 m=40
